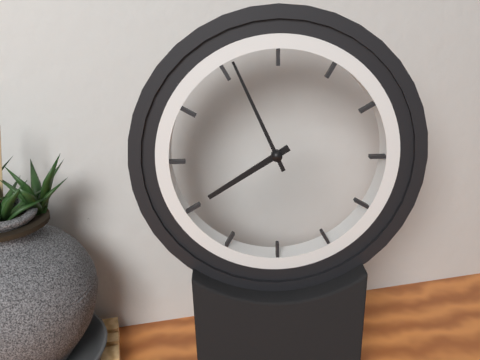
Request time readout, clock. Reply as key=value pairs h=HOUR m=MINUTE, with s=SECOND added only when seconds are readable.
h=7 m=56
